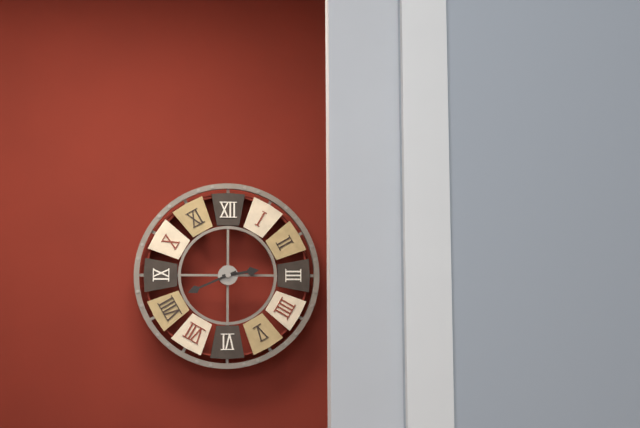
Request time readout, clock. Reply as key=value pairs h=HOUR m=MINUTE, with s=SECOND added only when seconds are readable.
h=2 m=41
